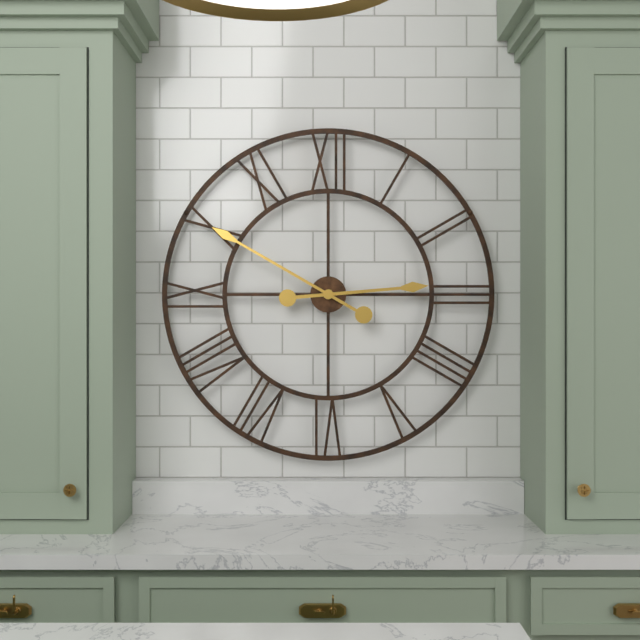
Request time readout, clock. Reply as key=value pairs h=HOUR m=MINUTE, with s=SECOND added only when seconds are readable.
h=2 m=50
